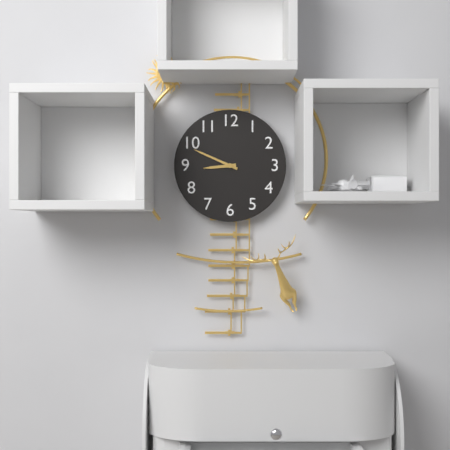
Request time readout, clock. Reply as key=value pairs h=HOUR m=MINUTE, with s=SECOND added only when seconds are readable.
h=8 m=49
